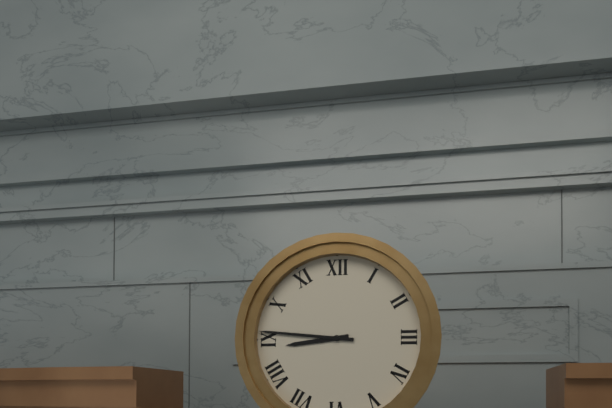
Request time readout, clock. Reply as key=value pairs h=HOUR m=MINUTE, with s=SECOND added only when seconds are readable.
h=8 m=46
